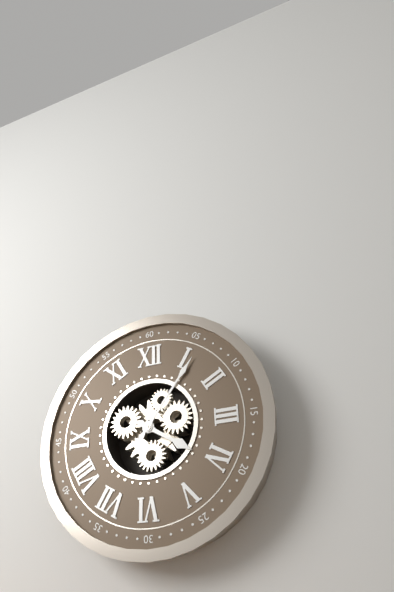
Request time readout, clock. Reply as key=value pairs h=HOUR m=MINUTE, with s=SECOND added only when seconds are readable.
h=4 m=6
